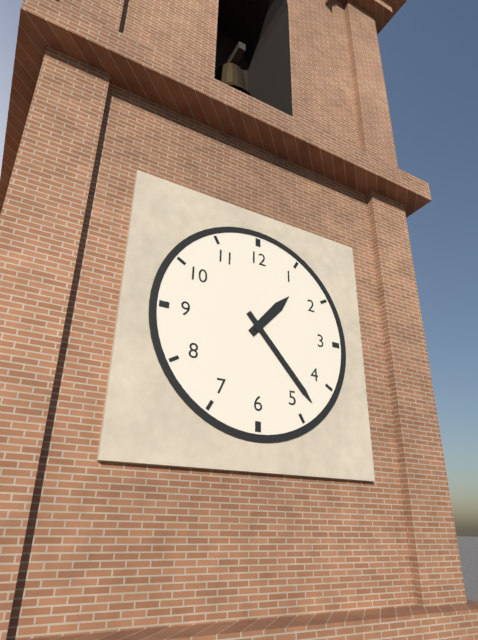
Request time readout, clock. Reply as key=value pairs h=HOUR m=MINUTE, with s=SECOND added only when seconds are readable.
h=1 m=23
